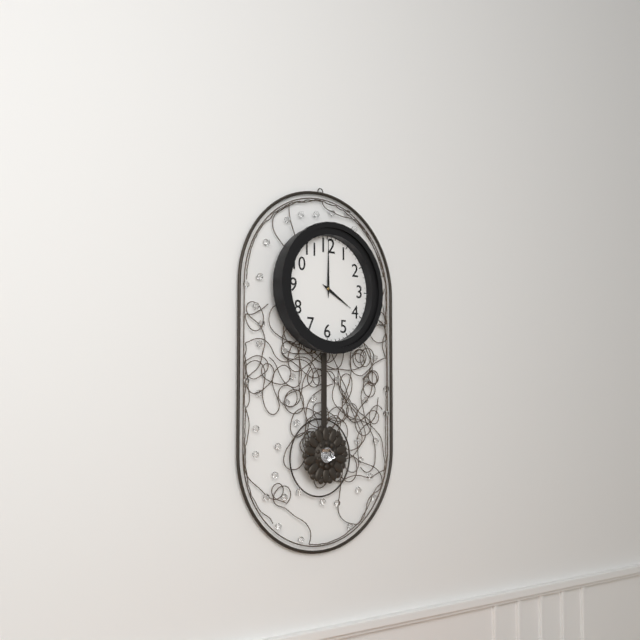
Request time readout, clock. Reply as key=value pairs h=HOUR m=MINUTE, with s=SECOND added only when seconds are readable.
h=4 m=0
